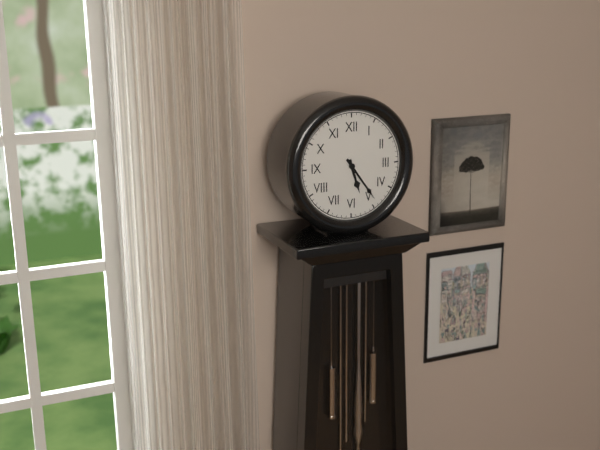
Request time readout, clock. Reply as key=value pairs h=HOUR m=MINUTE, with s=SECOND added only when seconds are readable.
h=5 m=24
